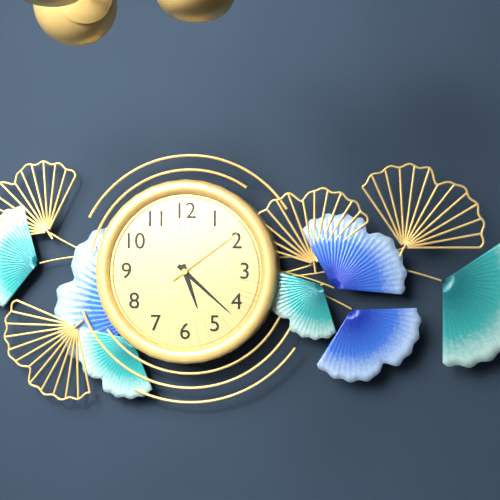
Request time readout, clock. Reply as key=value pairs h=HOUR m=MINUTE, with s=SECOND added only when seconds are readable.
h=5 m=22 s=9
